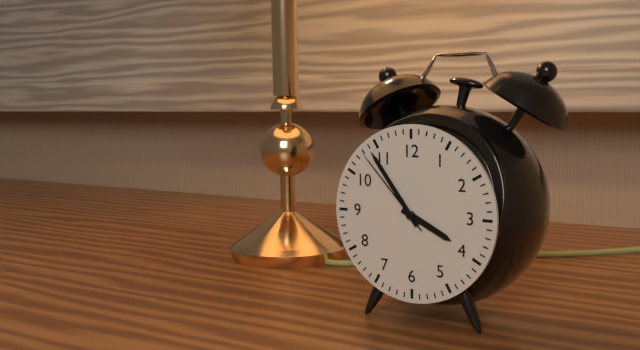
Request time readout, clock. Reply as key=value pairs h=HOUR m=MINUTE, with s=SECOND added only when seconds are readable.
h=3 m=54 s=53
